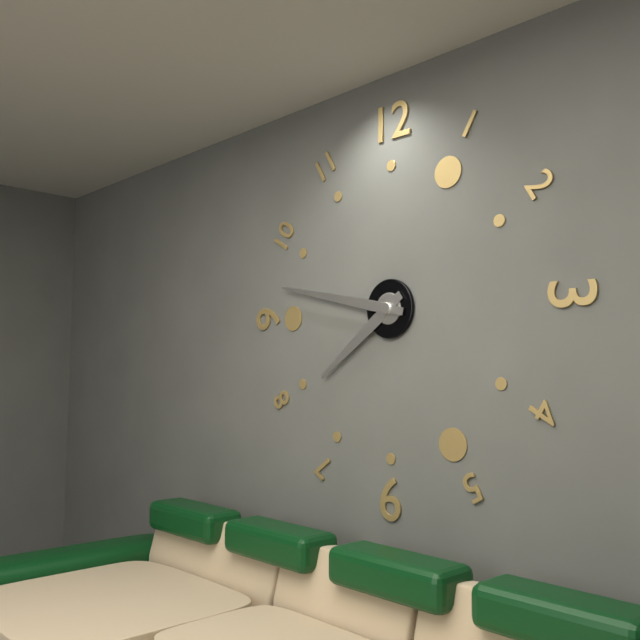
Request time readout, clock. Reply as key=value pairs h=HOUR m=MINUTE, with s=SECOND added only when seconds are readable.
h=7 m=47
